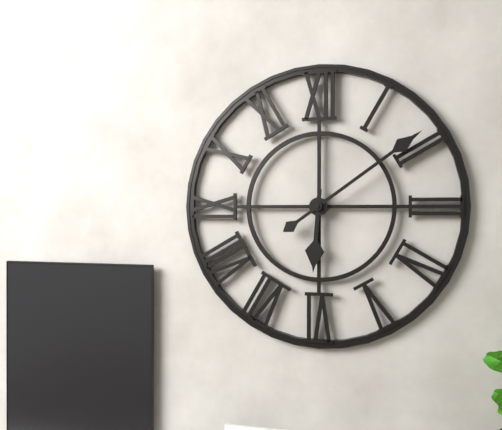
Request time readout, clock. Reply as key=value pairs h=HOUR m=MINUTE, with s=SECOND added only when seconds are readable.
h=6 m=9
